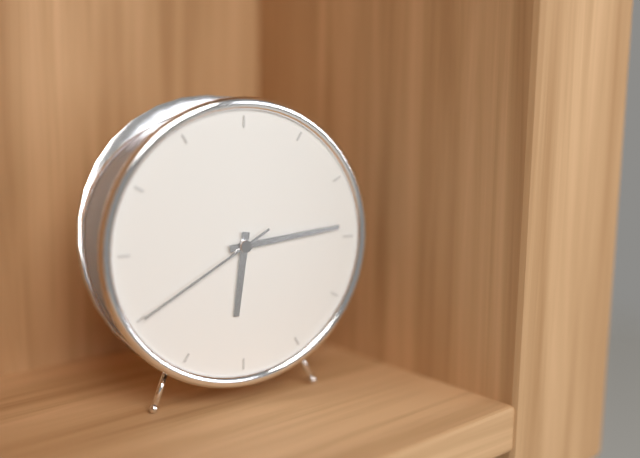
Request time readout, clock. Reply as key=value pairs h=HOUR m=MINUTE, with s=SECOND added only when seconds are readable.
h=6 m=14 s=40
